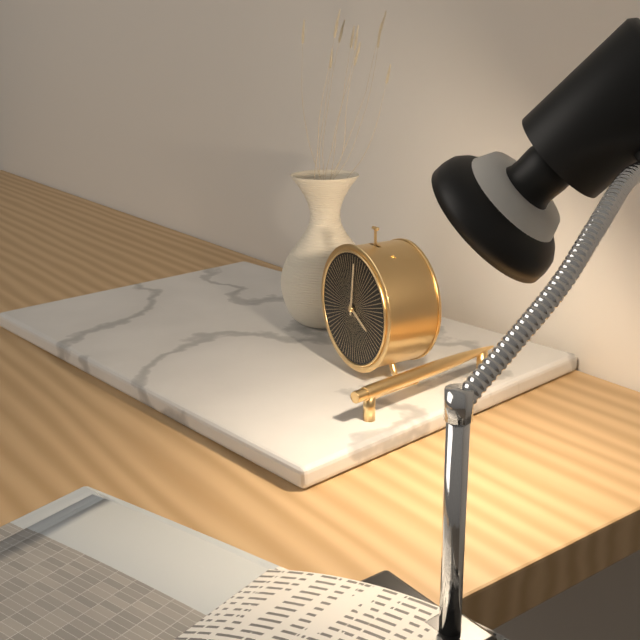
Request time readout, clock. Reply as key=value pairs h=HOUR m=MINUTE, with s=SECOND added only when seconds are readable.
h=4 m=1
